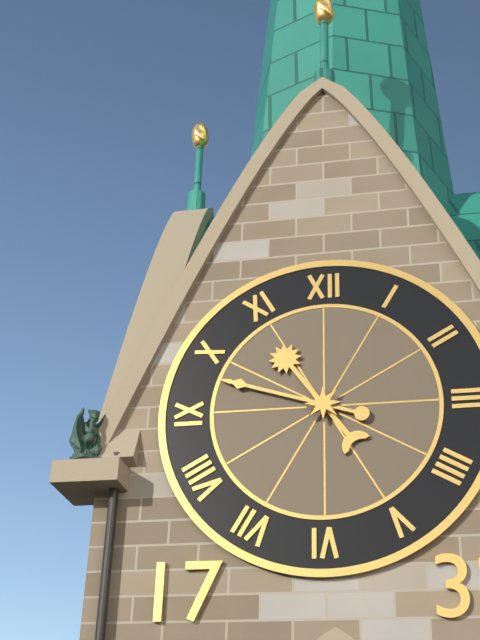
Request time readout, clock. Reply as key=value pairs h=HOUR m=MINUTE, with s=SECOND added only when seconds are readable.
h=10 m=48
